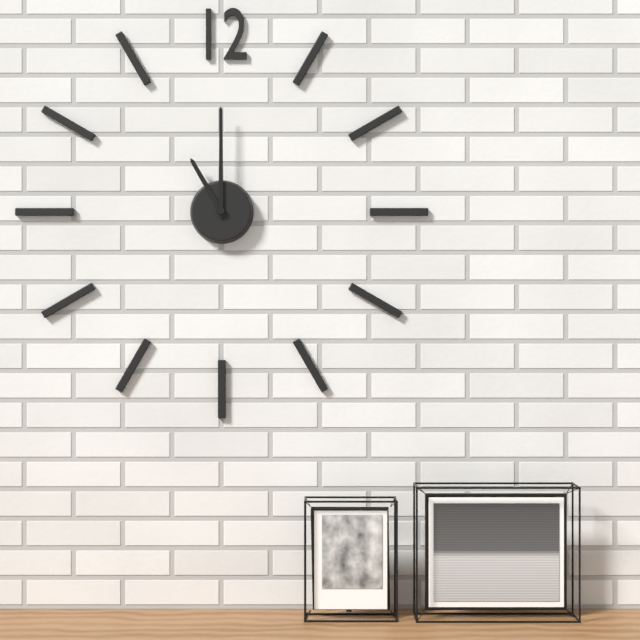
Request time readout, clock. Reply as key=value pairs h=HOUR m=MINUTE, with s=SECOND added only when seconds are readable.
h=11 m=0
